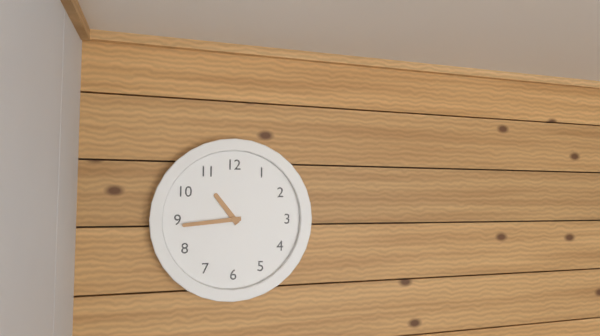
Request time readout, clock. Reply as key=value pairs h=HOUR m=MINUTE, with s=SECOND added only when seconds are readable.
h=10 m=44
